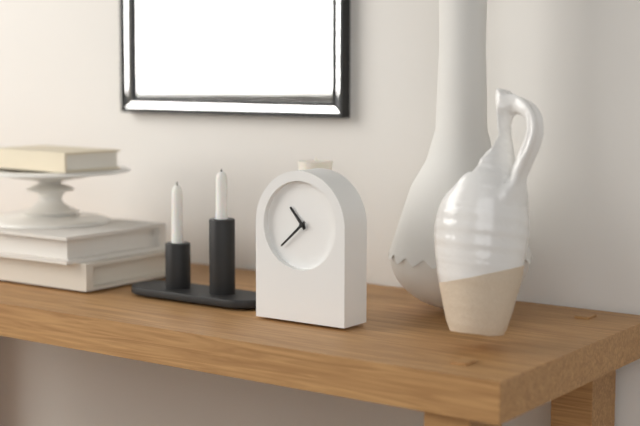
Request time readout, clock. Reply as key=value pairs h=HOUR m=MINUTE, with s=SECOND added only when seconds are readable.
h=10 m=38
